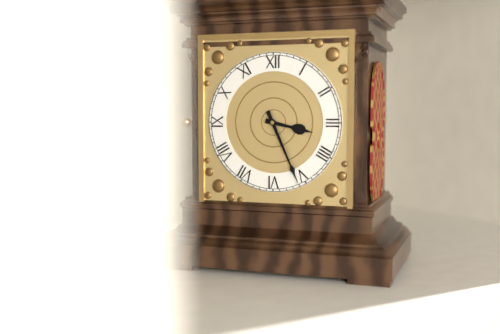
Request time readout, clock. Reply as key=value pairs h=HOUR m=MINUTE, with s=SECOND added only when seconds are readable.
h=3 m=26
